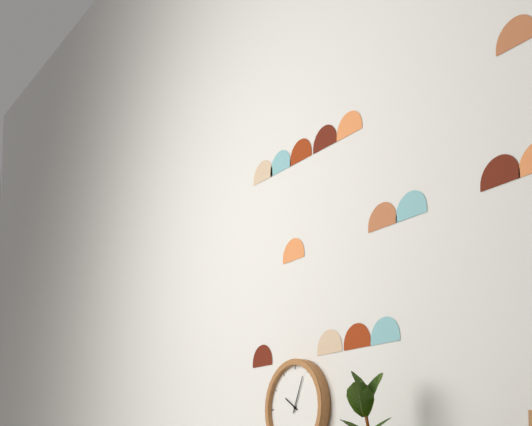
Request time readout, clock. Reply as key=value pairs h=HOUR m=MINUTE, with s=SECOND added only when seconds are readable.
h=10 m=4
